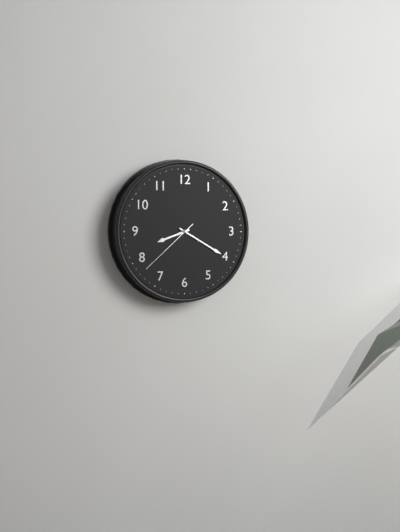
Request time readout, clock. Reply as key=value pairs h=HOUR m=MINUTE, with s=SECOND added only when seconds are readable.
h=8 m=20 s=38
